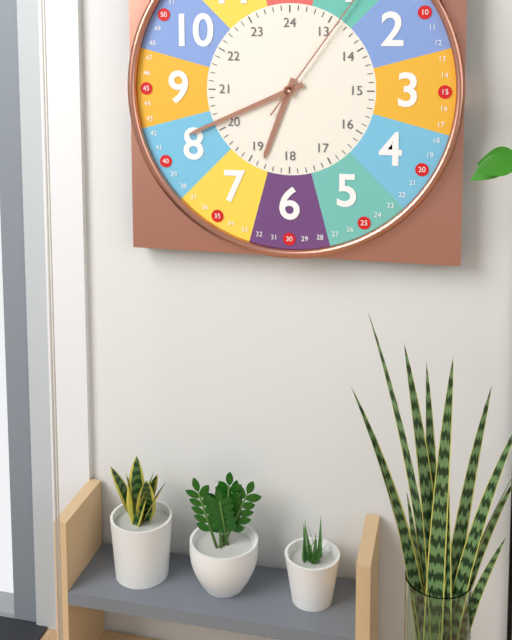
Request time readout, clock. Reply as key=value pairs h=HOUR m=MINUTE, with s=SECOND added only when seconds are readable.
h=6 m=41
